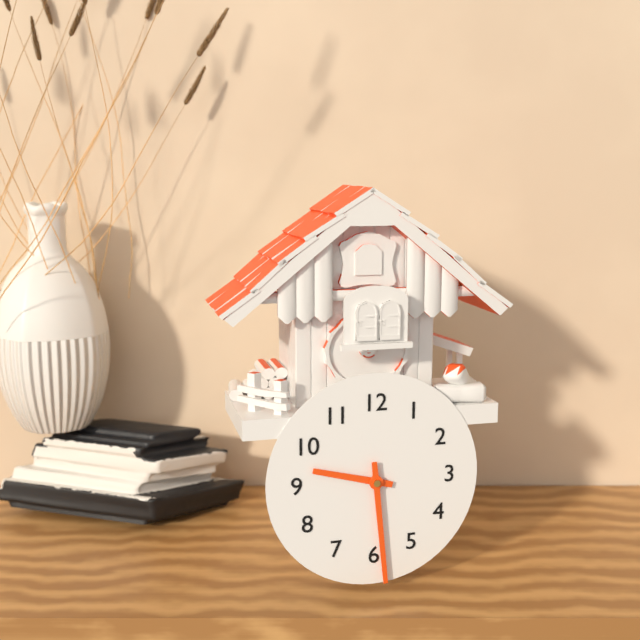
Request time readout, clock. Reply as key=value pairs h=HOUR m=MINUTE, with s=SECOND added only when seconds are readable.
h=9 m=29
